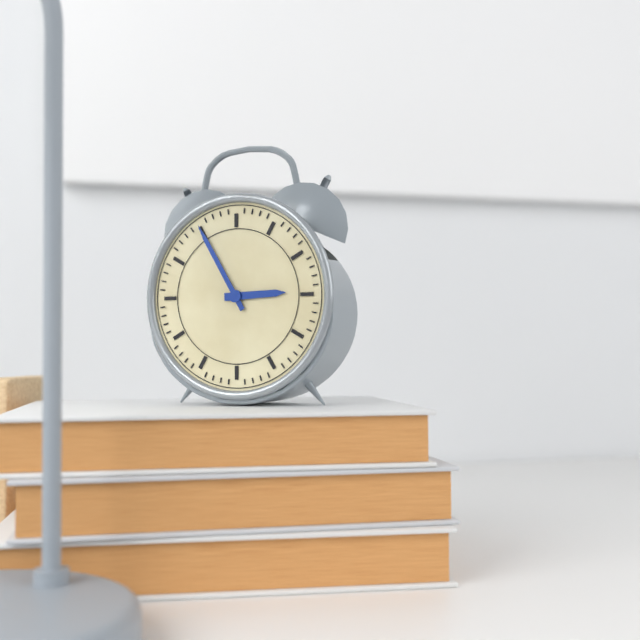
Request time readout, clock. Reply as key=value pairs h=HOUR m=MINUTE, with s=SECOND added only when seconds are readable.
h=2 m=55
